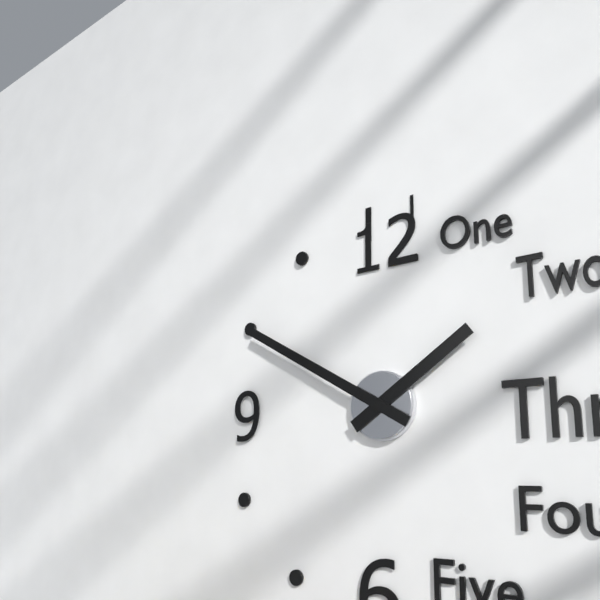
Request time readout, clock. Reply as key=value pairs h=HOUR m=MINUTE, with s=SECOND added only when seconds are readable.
h=1 m=50
